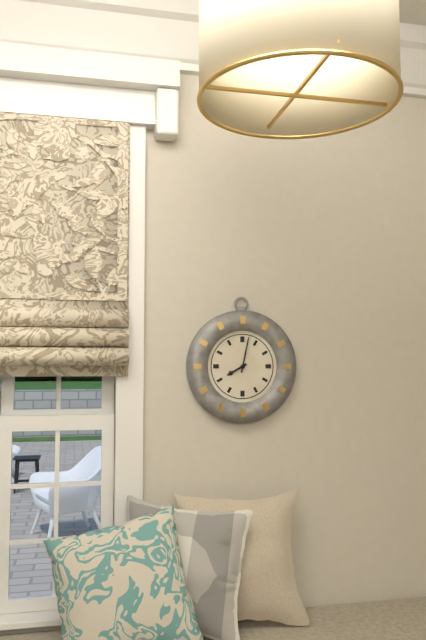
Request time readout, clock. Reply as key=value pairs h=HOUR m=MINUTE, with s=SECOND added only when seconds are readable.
h=8 m=2
